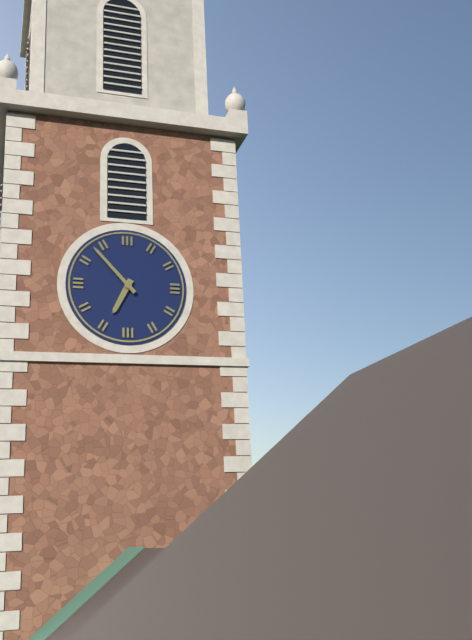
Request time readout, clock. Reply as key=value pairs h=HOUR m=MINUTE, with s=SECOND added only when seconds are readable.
h=6 m=53
